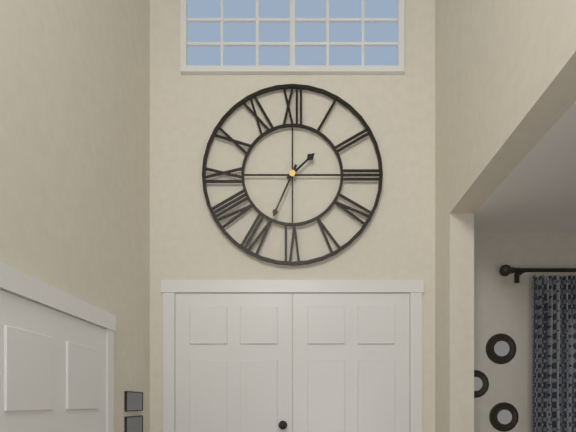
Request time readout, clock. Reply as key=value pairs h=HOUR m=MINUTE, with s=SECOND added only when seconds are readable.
h=1 m=34
